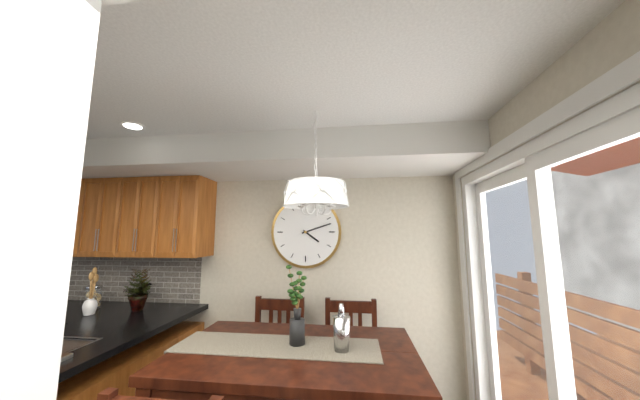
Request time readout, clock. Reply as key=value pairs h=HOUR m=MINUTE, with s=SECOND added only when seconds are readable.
h=4 m=12
